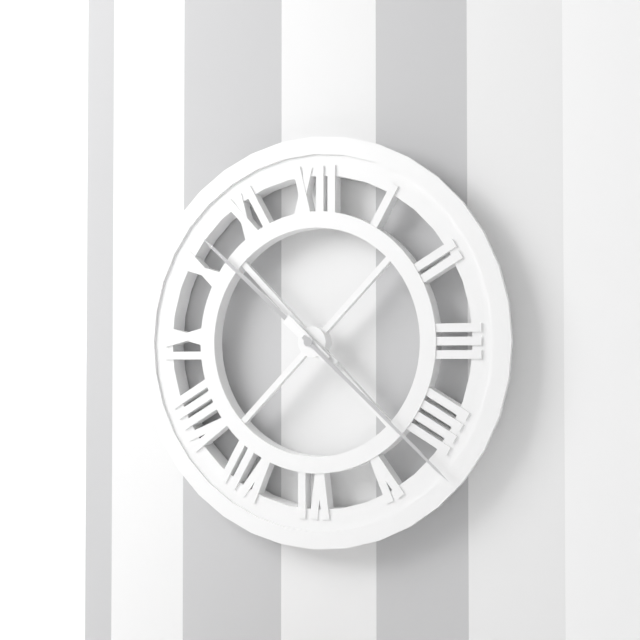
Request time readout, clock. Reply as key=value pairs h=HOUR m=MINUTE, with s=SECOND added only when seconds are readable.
h=10 m=22
